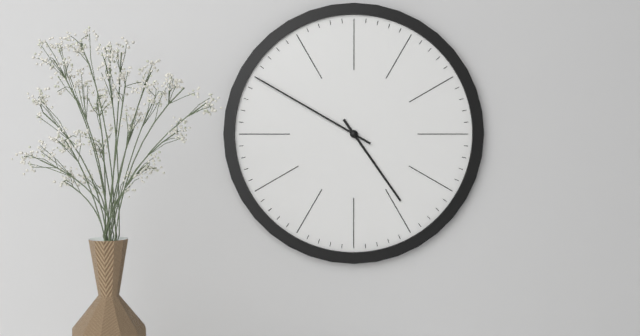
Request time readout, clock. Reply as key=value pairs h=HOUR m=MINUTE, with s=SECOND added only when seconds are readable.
h=4 m=50
